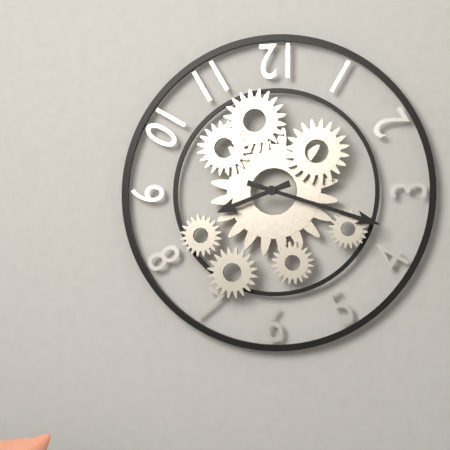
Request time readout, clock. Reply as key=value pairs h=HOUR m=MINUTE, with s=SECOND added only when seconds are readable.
h=8 m=18
